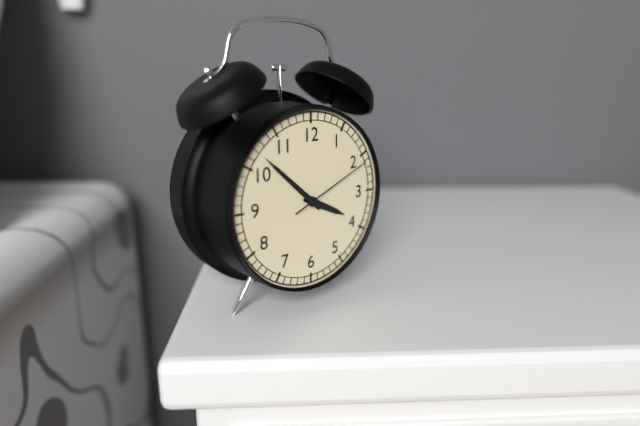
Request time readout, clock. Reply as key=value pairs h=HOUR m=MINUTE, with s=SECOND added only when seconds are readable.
h=3 m=52 s=11
